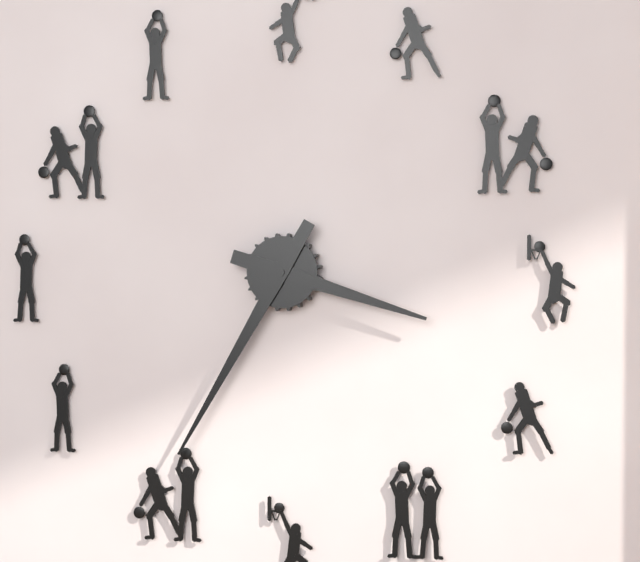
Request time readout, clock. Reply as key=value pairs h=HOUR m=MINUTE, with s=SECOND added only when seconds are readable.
h=3 m=35
